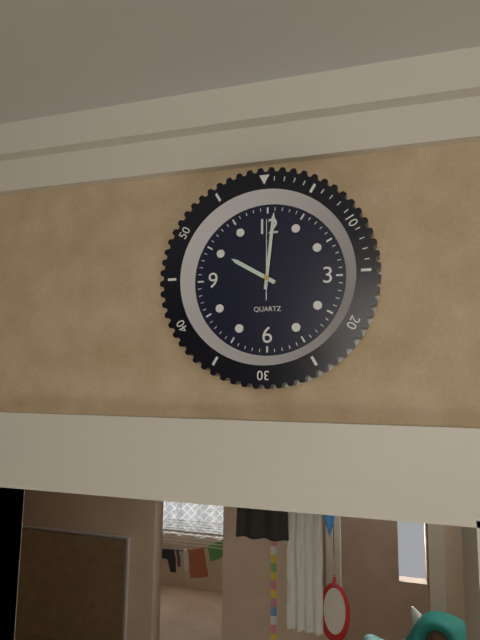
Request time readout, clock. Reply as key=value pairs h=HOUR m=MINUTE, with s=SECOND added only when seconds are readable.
h=10 m=1 s=0
